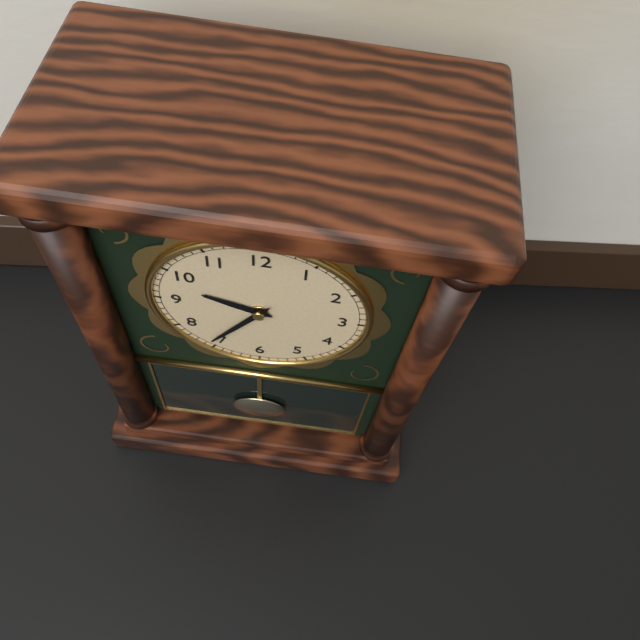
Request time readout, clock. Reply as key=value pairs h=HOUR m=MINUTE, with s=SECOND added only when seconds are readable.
h=9 m=36
